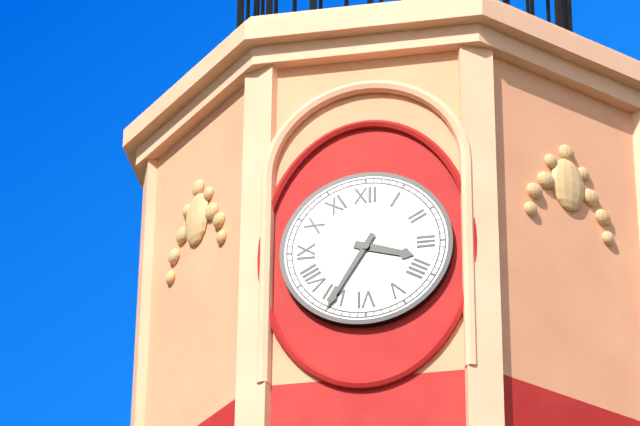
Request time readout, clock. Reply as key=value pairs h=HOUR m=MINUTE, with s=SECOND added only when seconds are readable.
h=3 m=35
